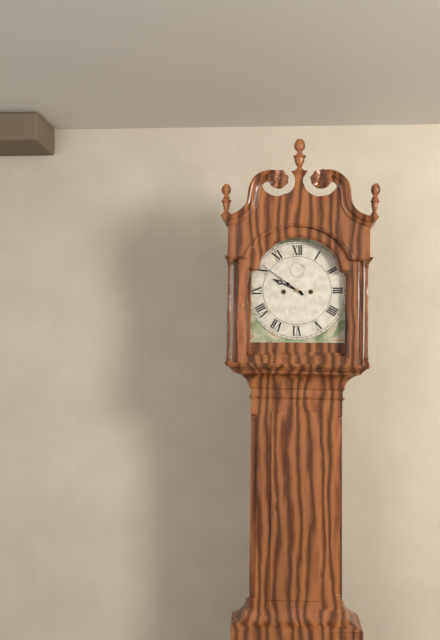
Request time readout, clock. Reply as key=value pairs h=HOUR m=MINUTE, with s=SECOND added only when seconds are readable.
h=9 m=51
